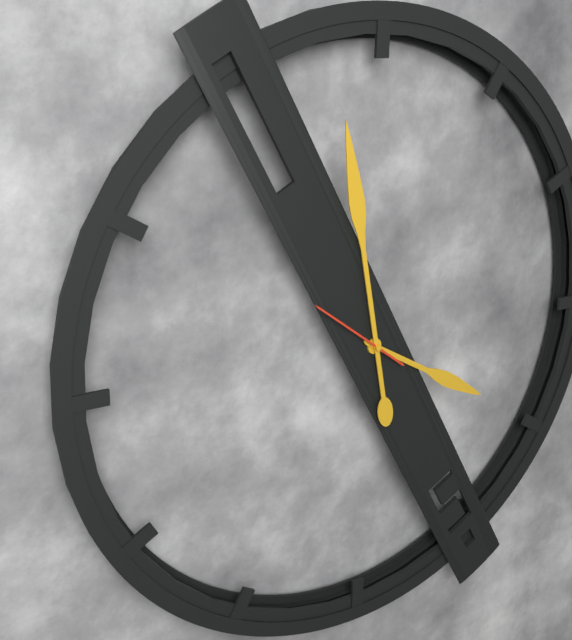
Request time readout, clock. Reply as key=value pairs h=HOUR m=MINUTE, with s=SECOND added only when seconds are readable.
h=3 m=58 s=51
